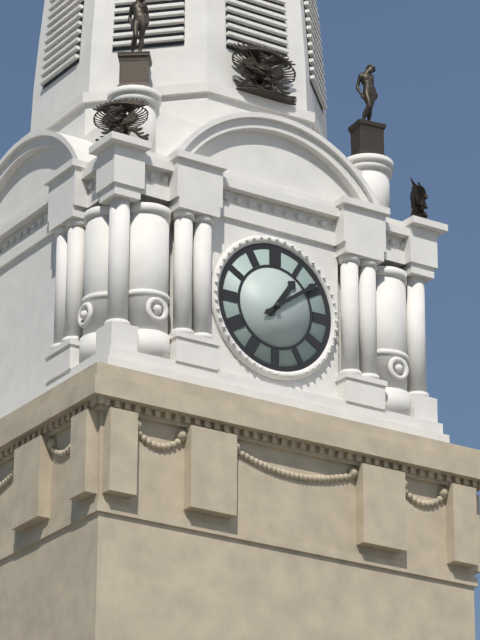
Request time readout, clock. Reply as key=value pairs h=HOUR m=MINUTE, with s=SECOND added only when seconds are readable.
h=1 m=9
